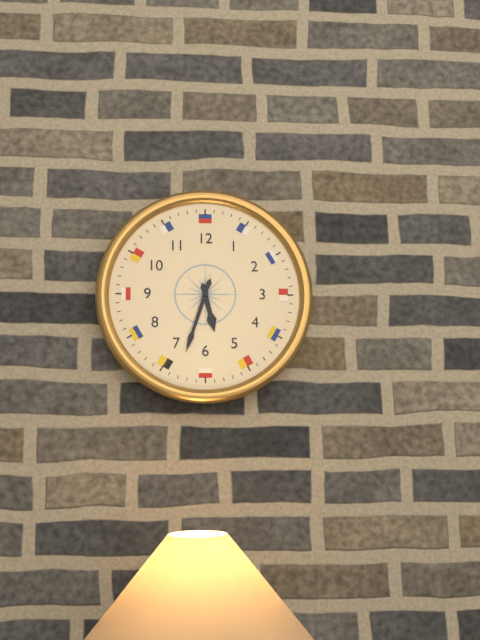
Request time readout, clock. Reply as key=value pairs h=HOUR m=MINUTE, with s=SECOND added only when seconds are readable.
h=5 m=33
